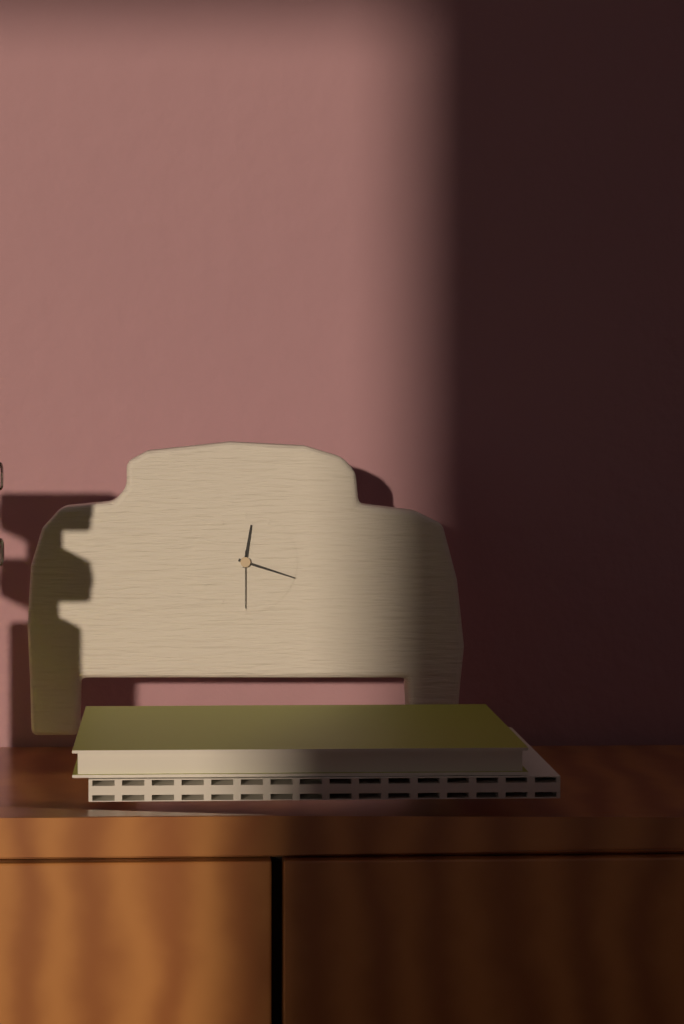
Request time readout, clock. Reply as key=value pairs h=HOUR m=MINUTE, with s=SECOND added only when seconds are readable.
h=12 m=18 s=30
